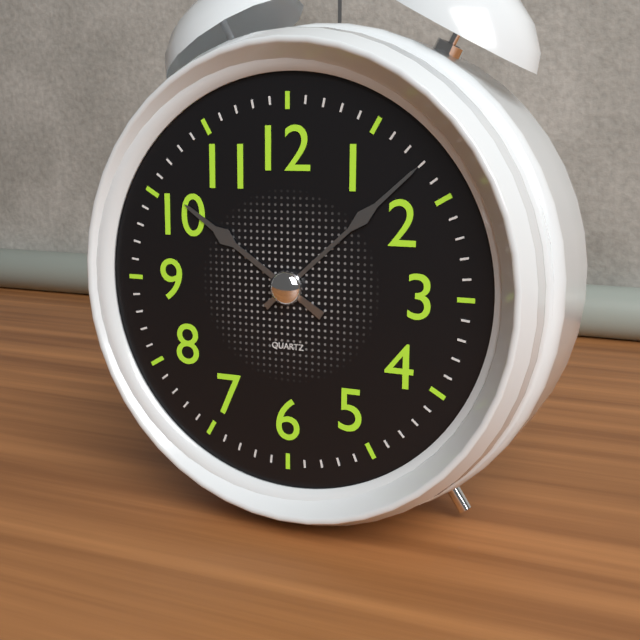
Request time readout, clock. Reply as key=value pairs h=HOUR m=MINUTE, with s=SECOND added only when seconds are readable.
h=10 m=8
